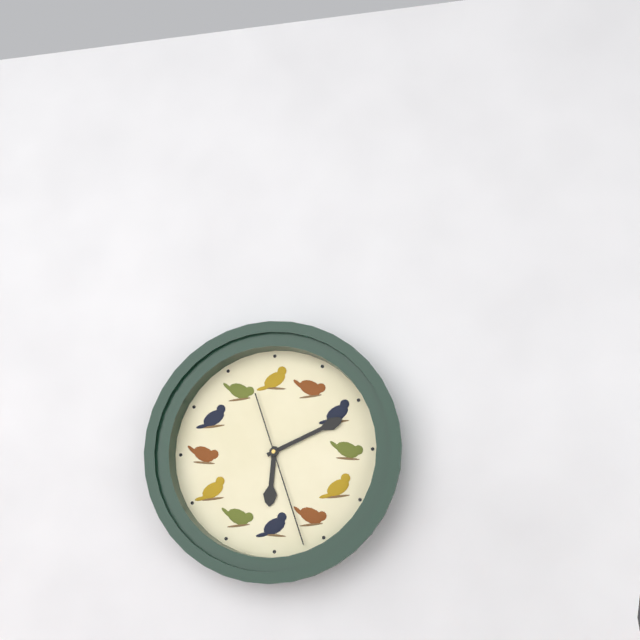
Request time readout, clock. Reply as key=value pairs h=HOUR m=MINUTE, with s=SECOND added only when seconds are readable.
h=6 m=11 s=27
